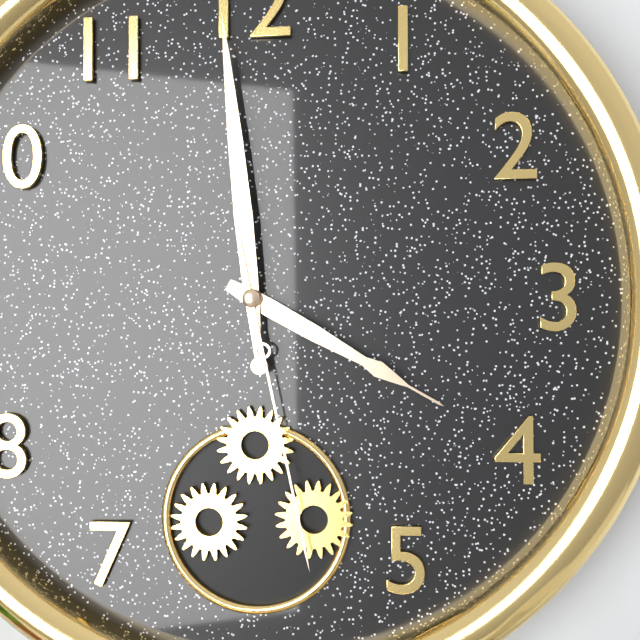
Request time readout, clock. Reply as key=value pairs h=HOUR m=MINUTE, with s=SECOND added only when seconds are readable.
h=3 m=59 s=28
